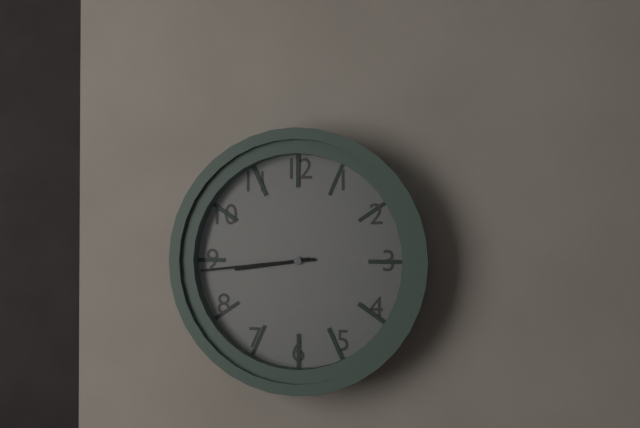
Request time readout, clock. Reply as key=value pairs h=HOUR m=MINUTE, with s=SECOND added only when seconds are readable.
h=8 m=44
